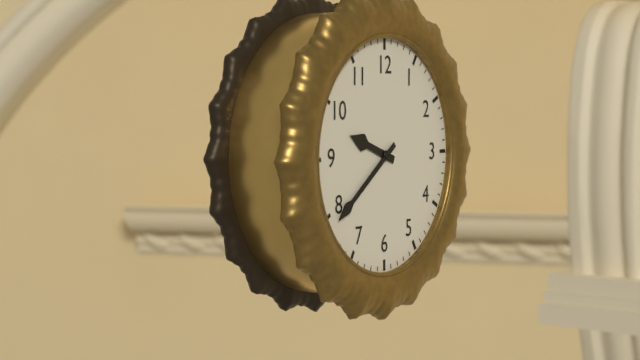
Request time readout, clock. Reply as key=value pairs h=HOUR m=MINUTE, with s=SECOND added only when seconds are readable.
h=9 m=39
